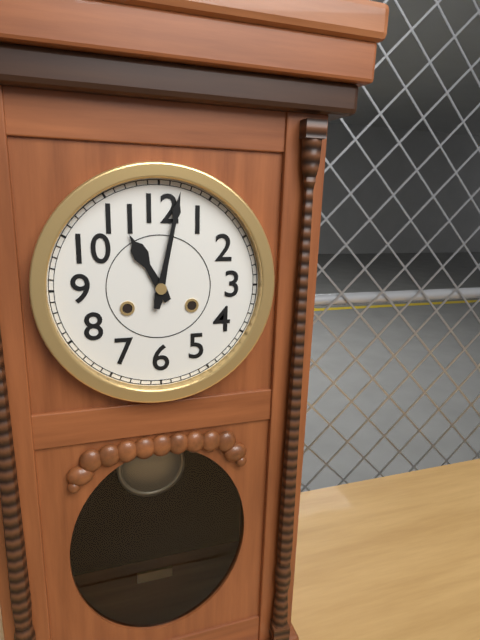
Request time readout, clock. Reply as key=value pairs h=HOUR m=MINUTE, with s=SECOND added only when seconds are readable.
h=11 m=2
